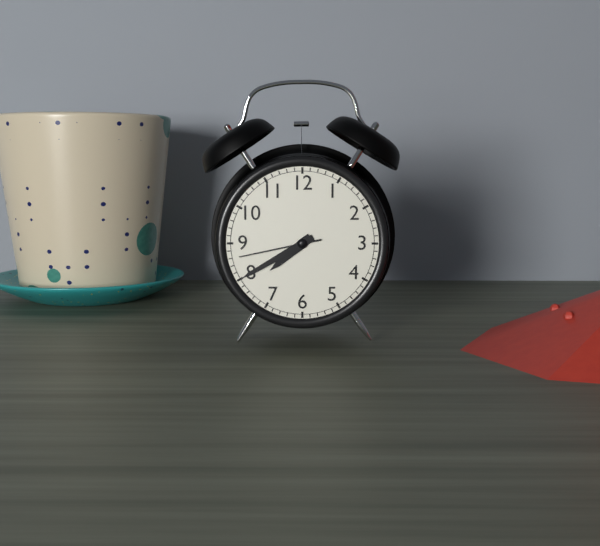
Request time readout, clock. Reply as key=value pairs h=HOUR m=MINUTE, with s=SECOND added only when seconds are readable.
h=7 m=40 s=43
